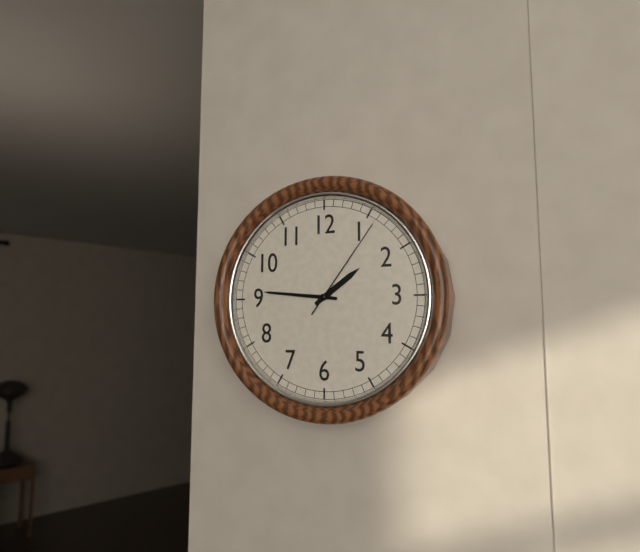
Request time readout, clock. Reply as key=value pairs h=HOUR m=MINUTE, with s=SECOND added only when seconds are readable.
h=1 m=46 s=6
